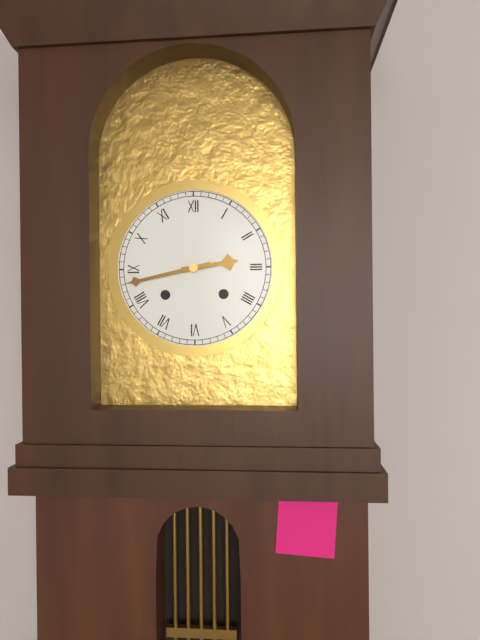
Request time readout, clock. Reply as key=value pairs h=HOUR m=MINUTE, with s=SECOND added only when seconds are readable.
h=2 m=43
